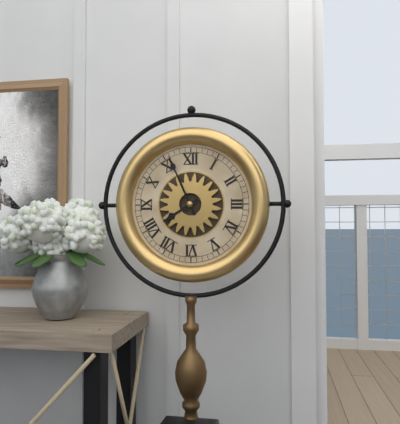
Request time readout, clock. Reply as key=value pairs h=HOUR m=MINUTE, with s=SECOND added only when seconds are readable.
h=7 m=56
